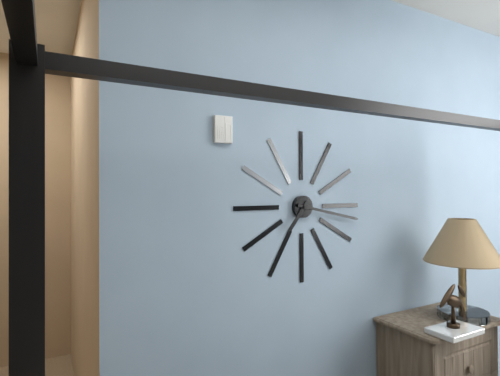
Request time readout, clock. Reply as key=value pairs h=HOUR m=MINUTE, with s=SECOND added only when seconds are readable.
h=7 m=17
